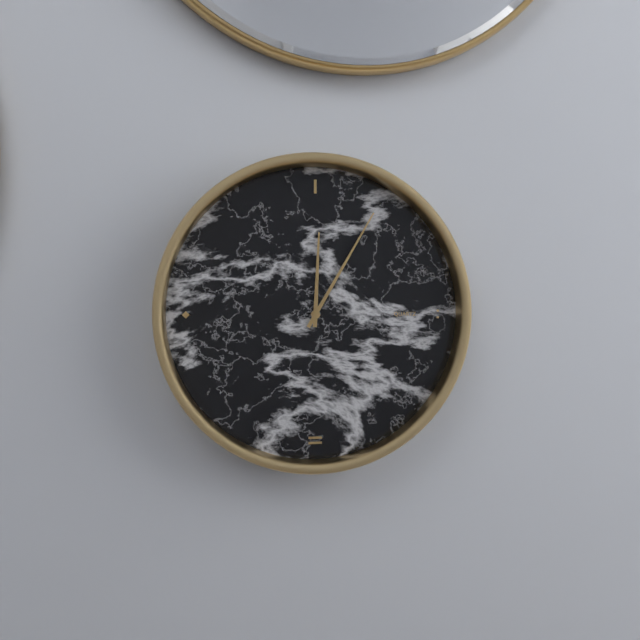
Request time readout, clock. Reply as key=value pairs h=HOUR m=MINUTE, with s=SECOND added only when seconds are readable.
h=12 m=5
